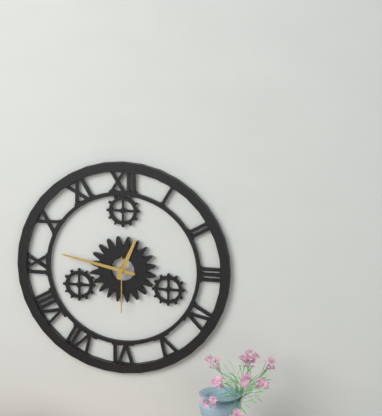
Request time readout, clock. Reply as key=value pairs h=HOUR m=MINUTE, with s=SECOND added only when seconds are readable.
h=12 m=47 s=30
